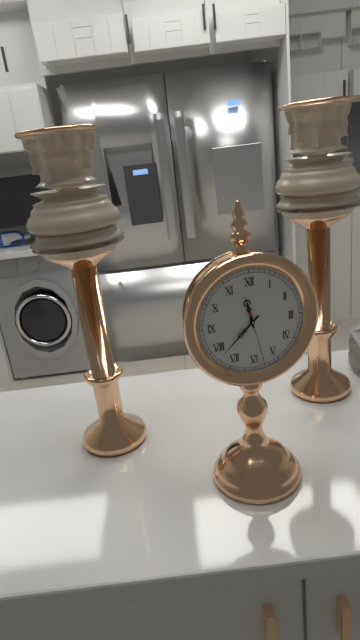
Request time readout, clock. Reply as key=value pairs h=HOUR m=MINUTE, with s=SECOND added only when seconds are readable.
h=11 m=38 s=28
